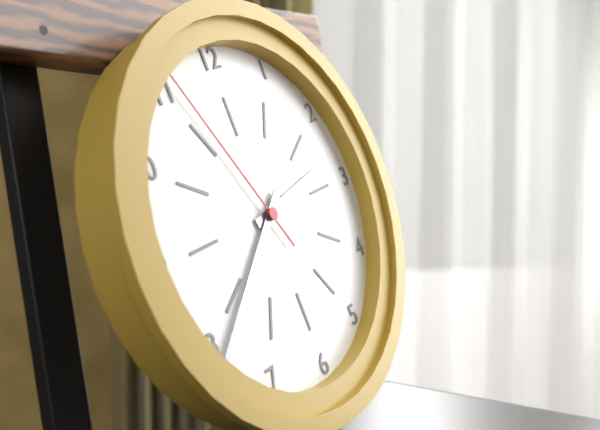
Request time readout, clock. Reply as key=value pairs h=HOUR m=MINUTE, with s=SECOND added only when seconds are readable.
h=2 m=39 s=56
